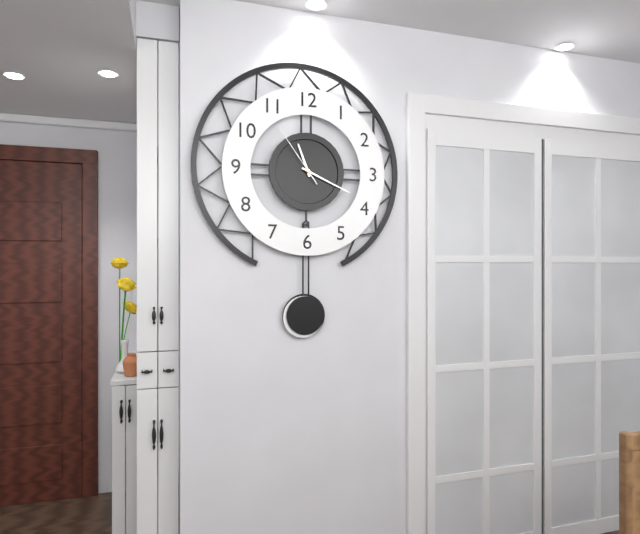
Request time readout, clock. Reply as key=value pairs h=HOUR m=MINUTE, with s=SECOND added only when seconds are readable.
h=11 m=19 s=54
